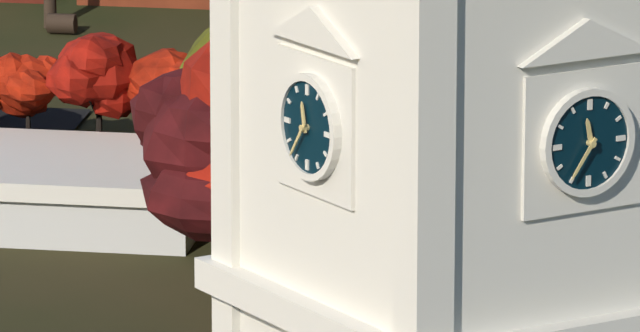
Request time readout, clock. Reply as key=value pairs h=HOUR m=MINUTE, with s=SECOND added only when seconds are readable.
h=11 m=36
